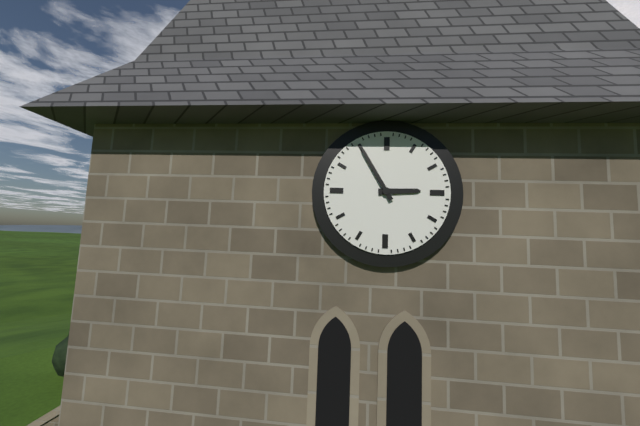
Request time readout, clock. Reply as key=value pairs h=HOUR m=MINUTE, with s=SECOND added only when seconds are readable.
h=2 m=55
